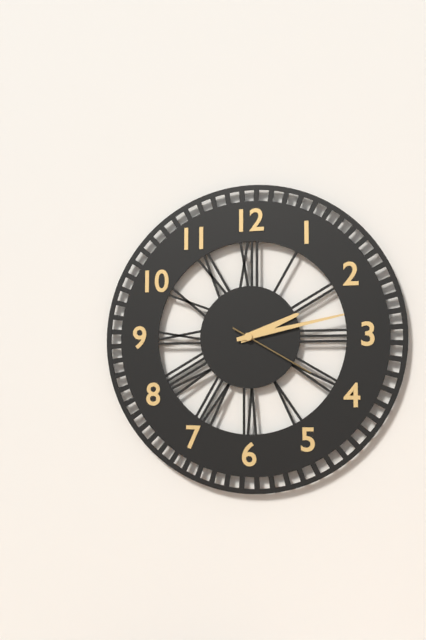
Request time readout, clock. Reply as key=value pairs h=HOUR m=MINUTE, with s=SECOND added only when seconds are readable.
h=2 m=13 s=20
